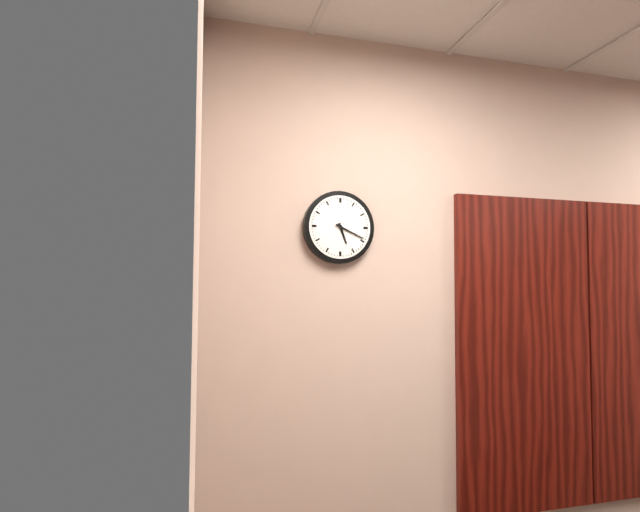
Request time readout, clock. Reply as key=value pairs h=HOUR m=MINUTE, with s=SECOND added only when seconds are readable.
h=5 m=19
